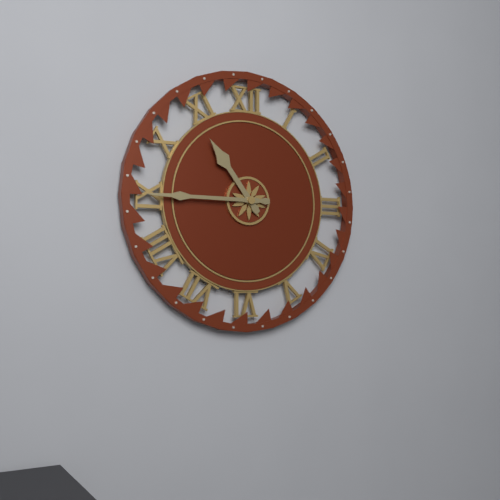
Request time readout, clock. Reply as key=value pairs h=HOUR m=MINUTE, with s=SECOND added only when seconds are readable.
h=10 m=45
